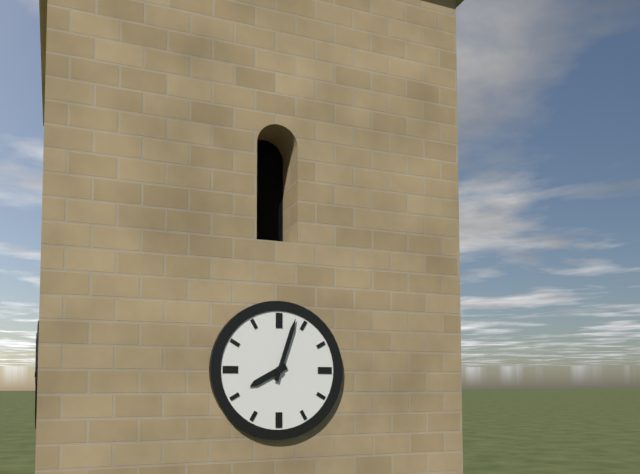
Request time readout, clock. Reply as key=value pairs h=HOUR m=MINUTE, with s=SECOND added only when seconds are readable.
h=8 m=3
